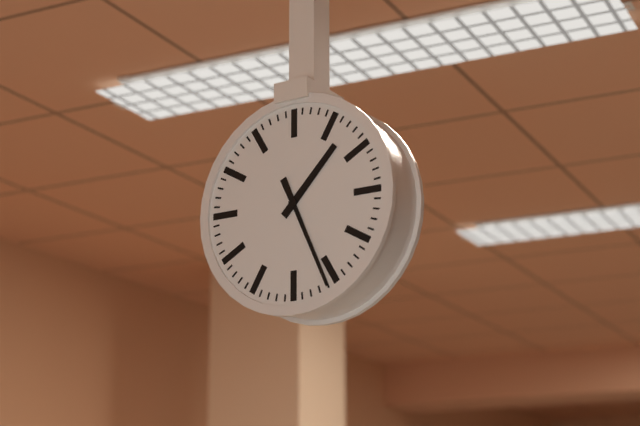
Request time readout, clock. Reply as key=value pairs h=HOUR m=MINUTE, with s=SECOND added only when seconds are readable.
h=1 m=26
